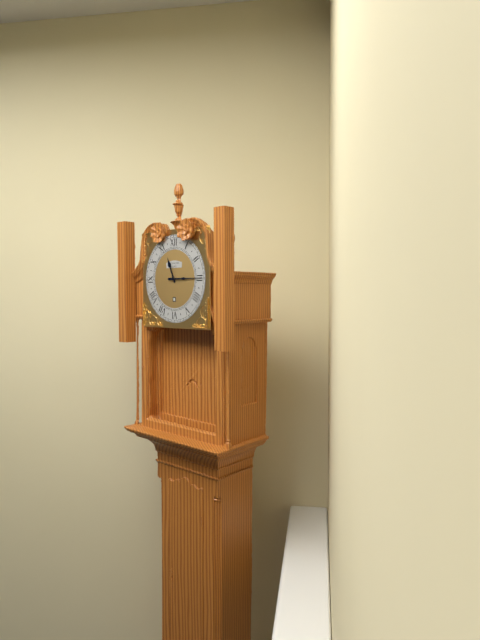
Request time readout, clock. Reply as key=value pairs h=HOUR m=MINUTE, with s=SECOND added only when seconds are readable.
h=11 m=15
